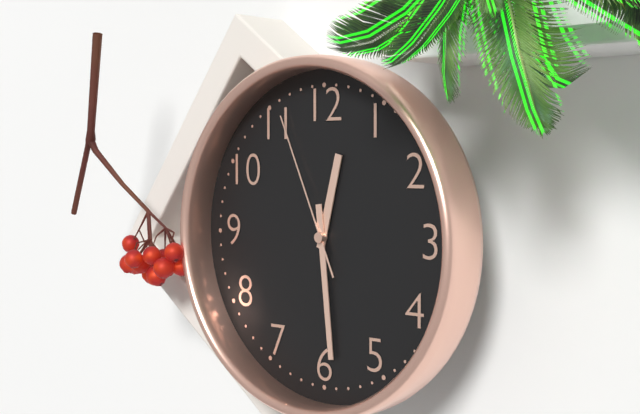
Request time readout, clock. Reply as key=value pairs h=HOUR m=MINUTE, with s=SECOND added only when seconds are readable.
h=12 m=29 s=56
